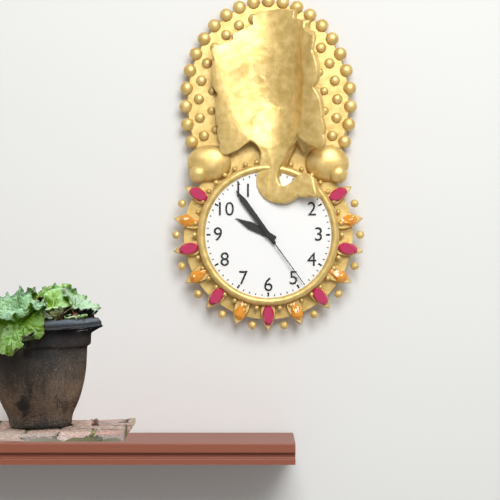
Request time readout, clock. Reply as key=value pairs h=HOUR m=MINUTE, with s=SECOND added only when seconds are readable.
h=9 m=54 s=24
